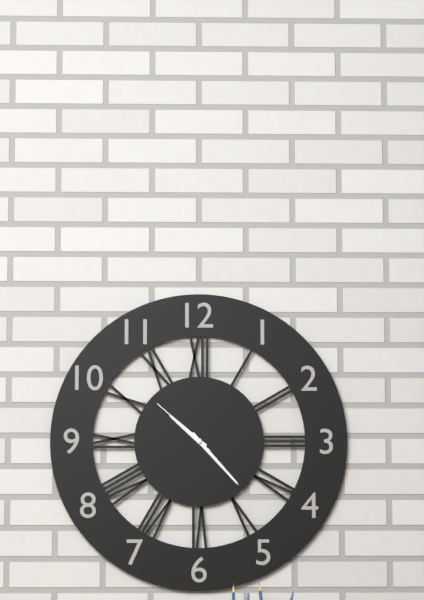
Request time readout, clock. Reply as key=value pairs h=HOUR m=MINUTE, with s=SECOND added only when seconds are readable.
h=10 m=23 s=52
